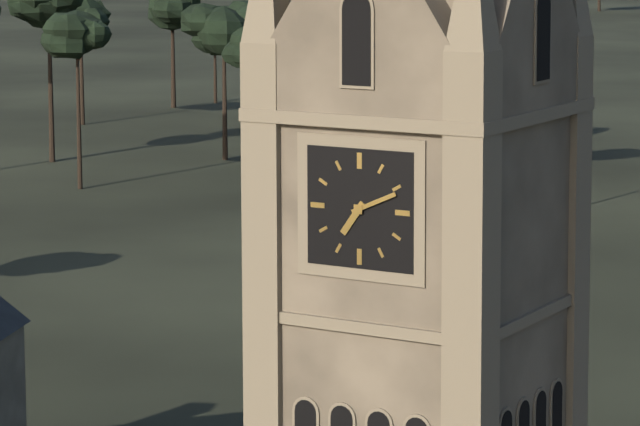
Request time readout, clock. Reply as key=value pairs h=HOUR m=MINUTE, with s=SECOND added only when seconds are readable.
h=7 m=11
